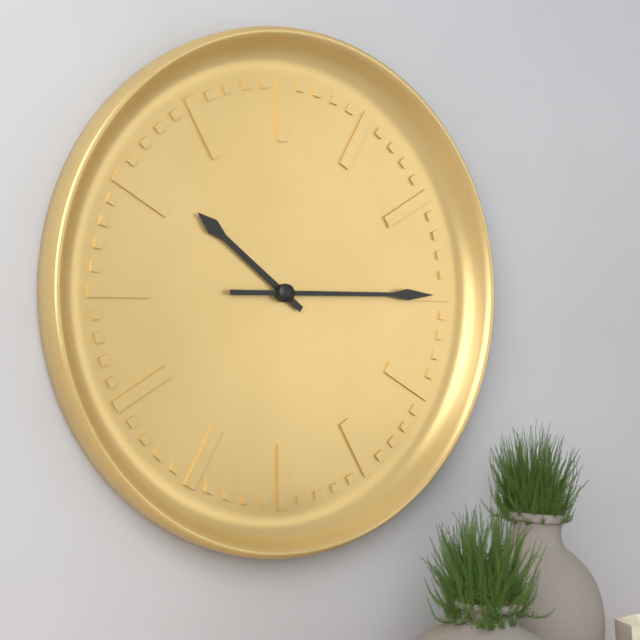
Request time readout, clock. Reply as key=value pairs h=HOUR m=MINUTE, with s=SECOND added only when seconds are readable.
h=10 m=15
